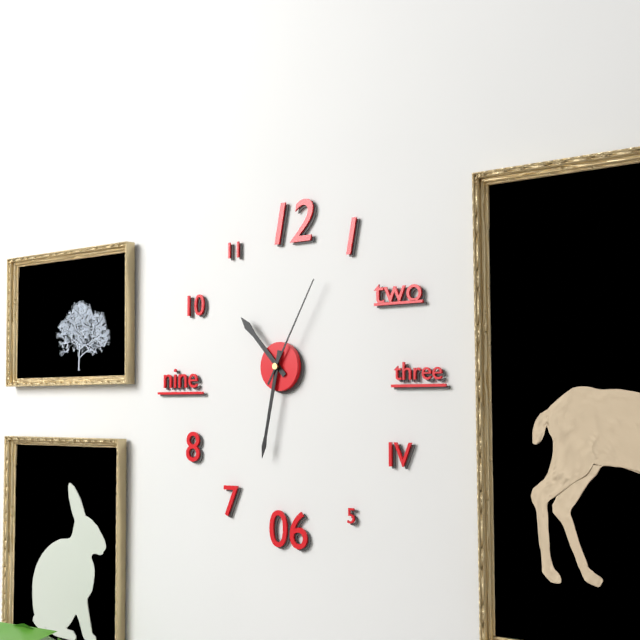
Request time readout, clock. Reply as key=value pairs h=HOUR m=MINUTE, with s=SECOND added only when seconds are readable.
h=10 m=32 s=5
